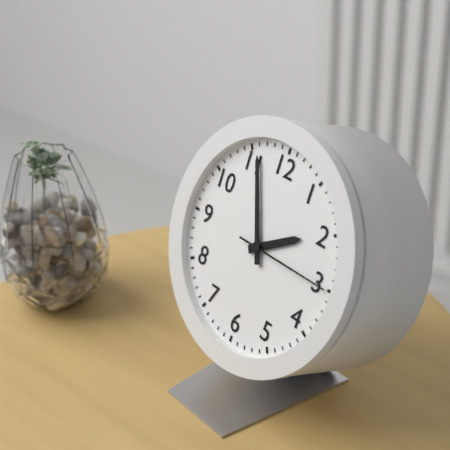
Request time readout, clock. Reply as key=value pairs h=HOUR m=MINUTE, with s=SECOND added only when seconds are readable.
h=1 m=56 s=15
